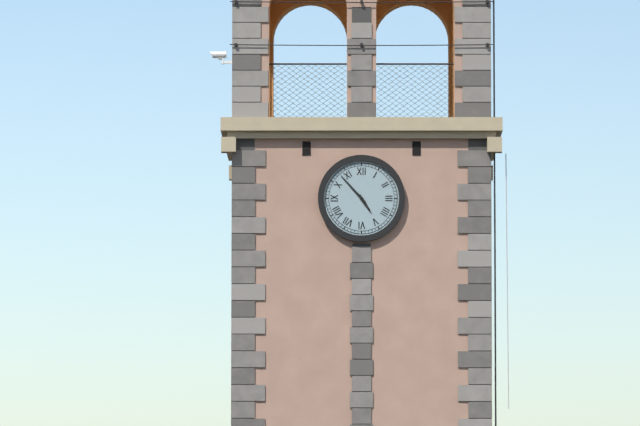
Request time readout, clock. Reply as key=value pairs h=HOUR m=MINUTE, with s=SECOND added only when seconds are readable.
h=4 m=53
